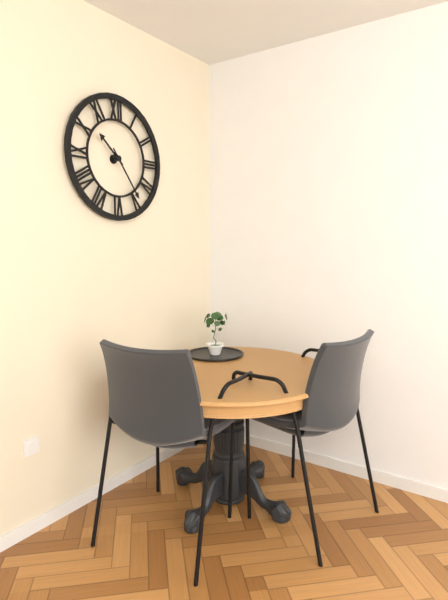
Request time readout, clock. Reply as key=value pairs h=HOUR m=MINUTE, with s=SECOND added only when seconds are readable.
h=10 m=24
